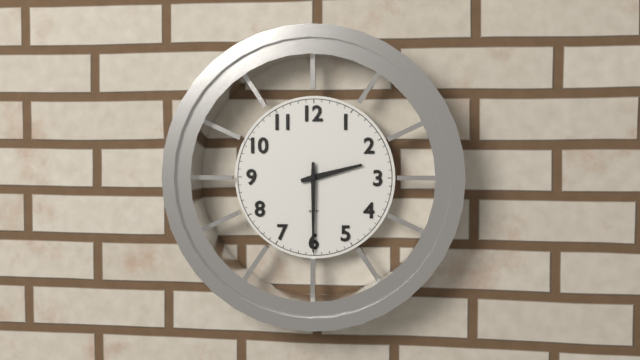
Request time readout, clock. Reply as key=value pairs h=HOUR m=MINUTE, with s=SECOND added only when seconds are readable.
h=2 m=30
